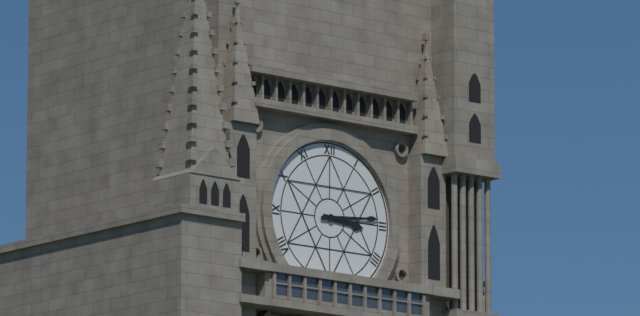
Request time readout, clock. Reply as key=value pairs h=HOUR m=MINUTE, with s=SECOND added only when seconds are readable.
h=3 m=14
